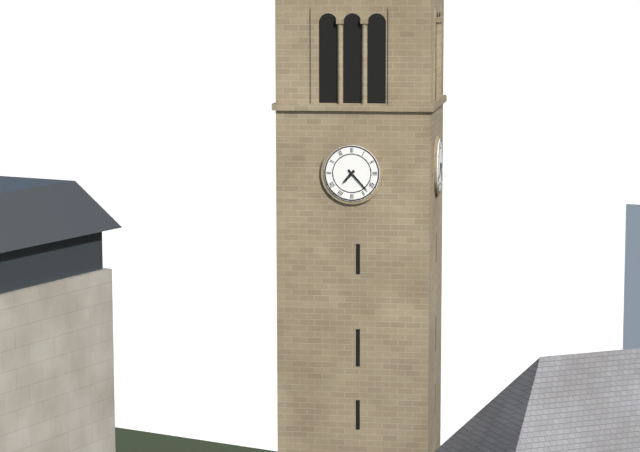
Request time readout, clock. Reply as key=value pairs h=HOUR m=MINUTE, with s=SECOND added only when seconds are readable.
h=7 m=23
